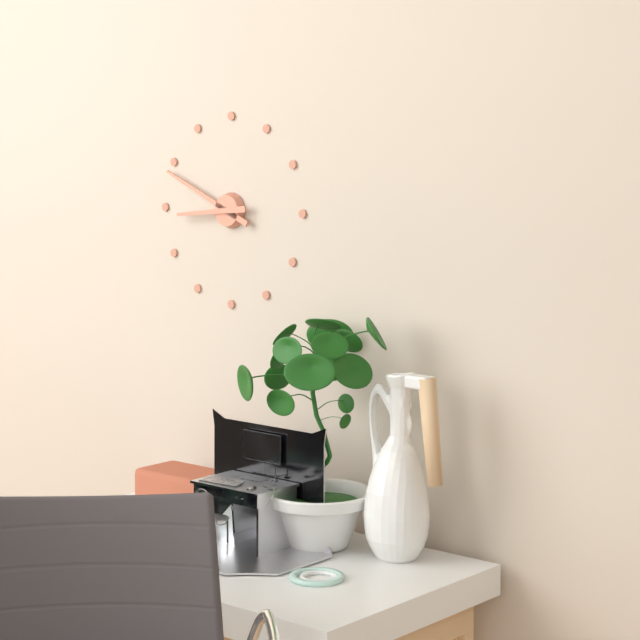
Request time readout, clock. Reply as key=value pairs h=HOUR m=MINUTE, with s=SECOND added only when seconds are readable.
h=8 m=49
